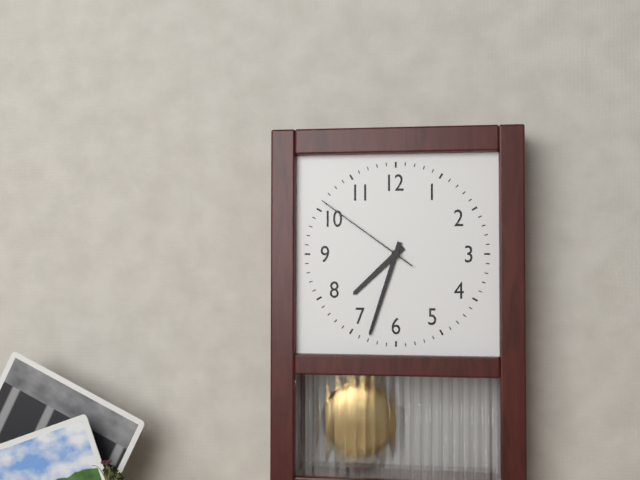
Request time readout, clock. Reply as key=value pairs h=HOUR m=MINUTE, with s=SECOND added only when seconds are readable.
h=7 m=33 s=51
